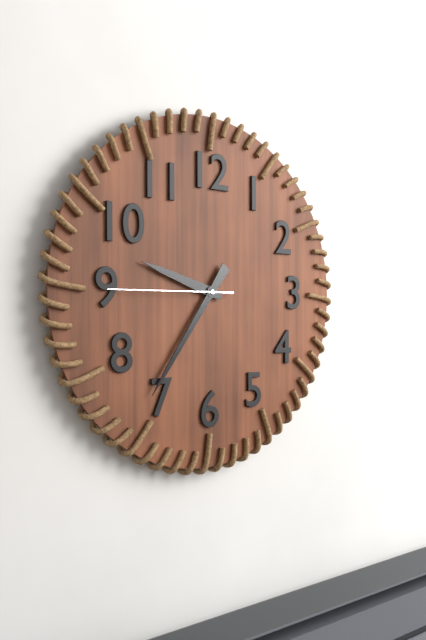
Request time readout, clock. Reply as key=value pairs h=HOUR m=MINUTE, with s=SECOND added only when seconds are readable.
h=9 m=36 s=45
